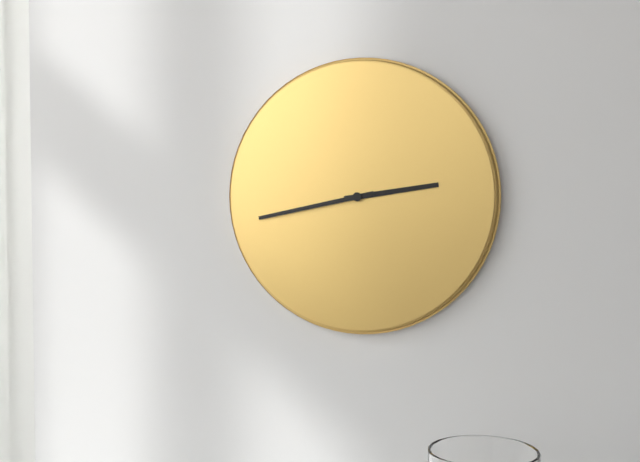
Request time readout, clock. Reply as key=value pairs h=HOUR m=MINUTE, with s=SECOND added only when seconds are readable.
h=2 m=43
